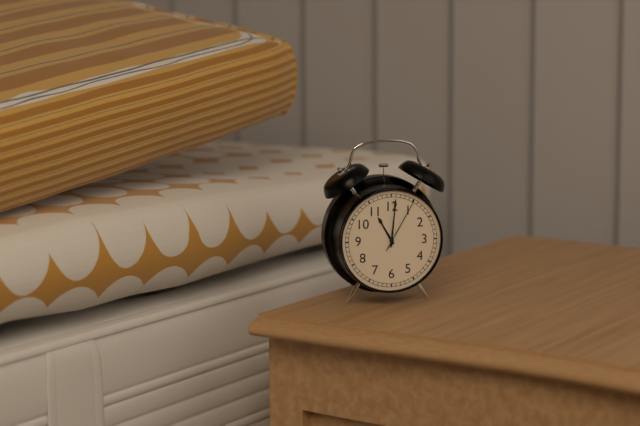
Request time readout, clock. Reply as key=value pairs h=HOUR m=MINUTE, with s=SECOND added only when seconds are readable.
h=11 m=1 s=5
